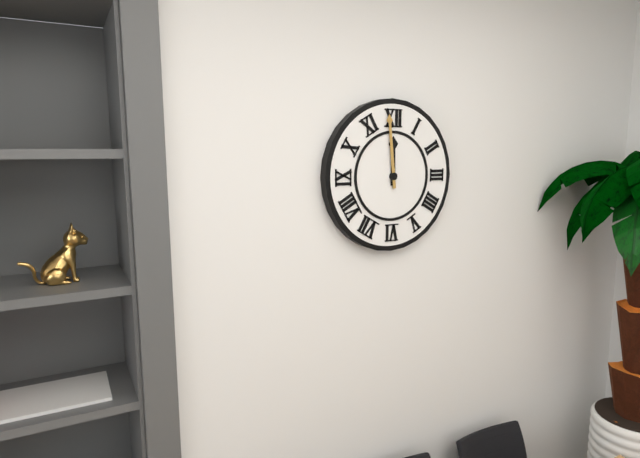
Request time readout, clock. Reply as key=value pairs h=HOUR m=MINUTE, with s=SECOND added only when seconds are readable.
h=11 m=59
